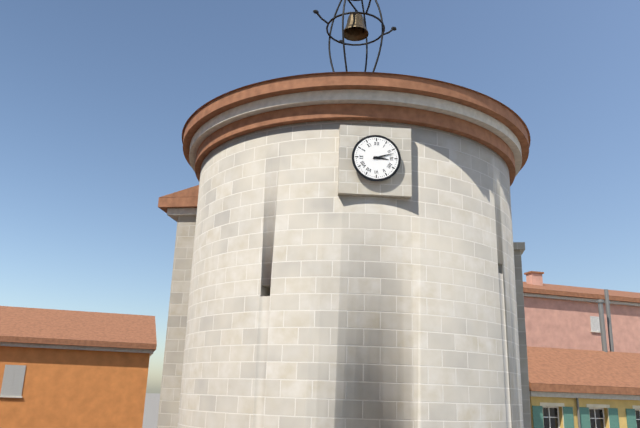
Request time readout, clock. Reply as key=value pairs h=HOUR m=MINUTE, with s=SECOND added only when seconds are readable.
h=3 m=12
